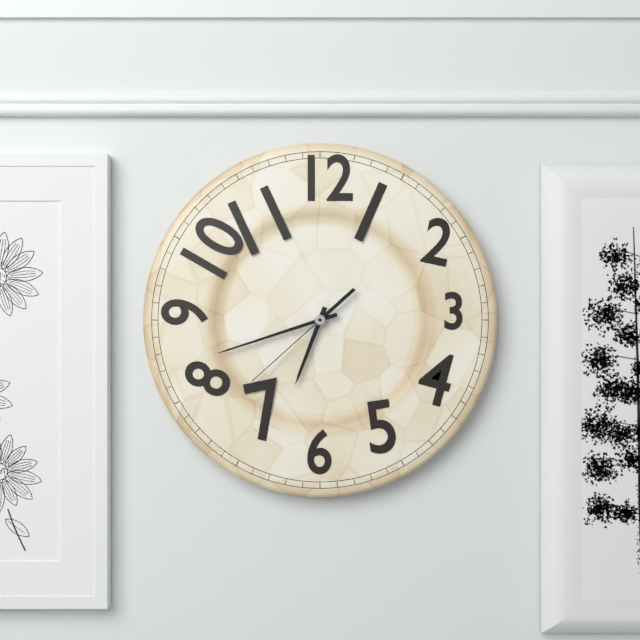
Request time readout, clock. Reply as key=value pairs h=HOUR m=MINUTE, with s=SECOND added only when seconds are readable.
h=6 m=42 s=38
